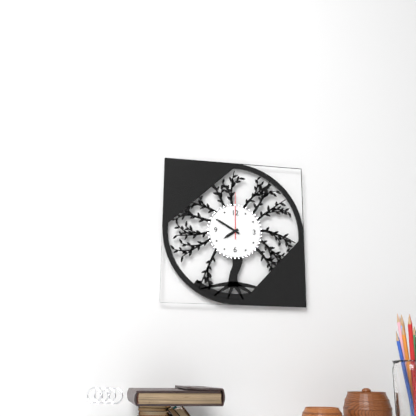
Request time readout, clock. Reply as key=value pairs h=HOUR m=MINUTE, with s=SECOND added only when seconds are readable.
h=7 m=50
